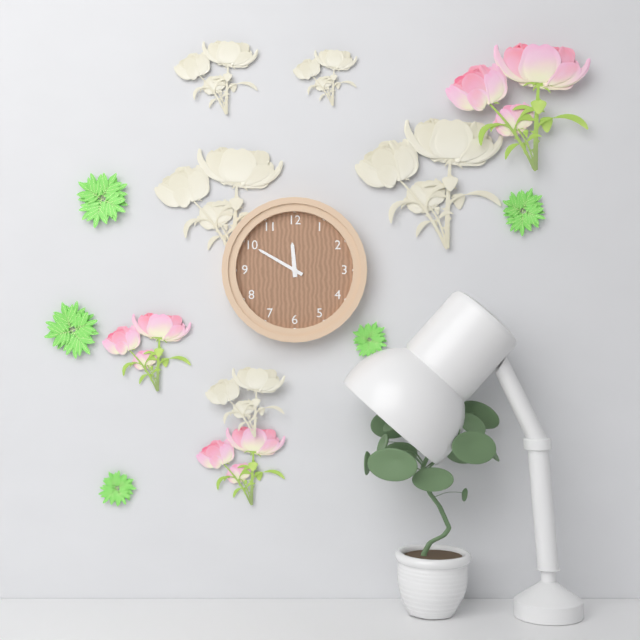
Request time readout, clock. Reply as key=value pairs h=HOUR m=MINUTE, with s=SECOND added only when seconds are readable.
h=11 m=50
